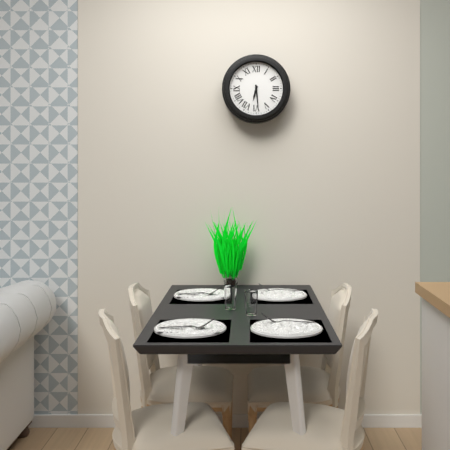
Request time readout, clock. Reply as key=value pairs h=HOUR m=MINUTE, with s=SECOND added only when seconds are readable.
h=6 m=29
